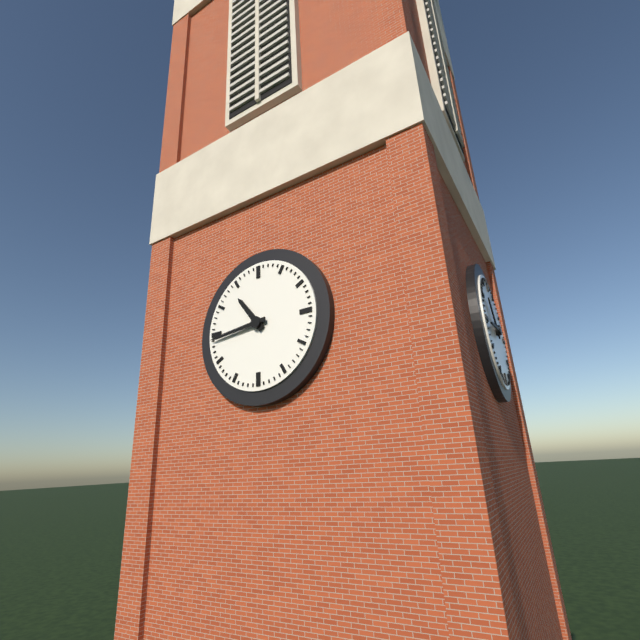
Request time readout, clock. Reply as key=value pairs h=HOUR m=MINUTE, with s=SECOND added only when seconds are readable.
h=10 m=44
